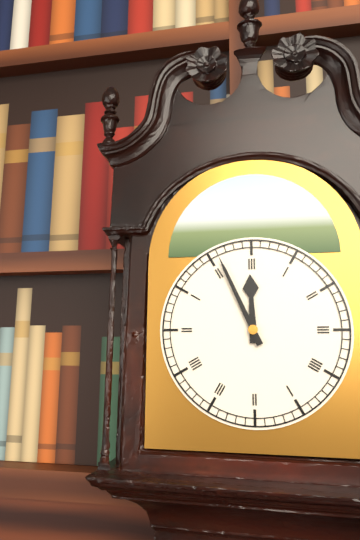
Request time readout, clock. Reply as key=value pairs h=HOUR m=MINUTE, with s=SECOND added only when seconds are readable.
h=11 m=56
